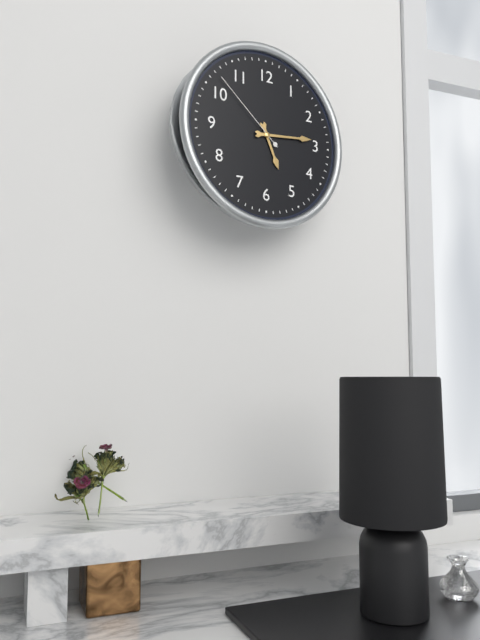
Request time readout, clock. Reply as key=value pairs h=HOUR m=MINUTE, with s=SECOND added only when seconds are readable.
h=5 m=14 s=52
